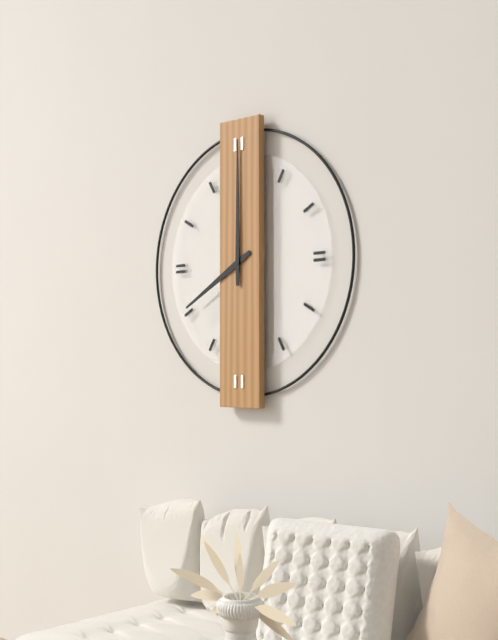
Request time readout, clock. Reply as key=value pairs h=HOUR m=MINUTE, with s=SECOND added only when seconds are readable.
h=8 m=0
